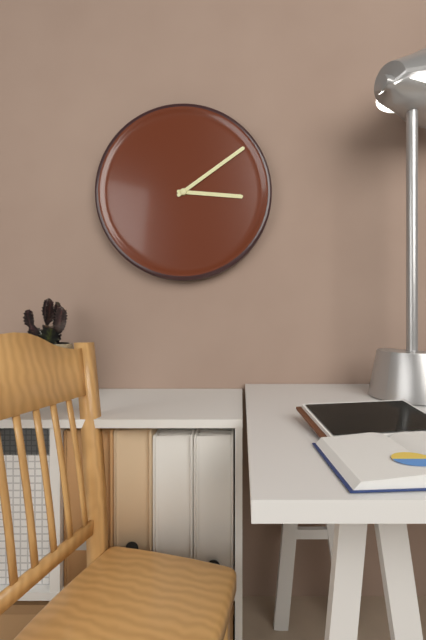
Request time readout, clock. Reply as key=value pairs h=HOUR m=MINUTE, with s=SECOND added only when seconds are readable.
h=3 m=9
